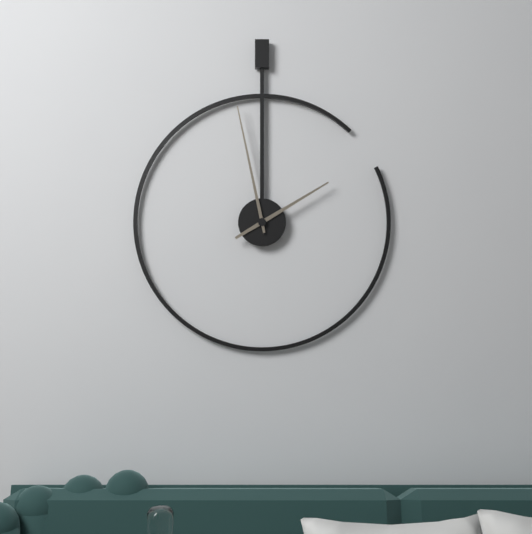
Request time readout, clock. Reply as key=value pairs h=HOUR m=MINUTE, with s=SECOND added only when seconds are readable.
h=1 m=58
